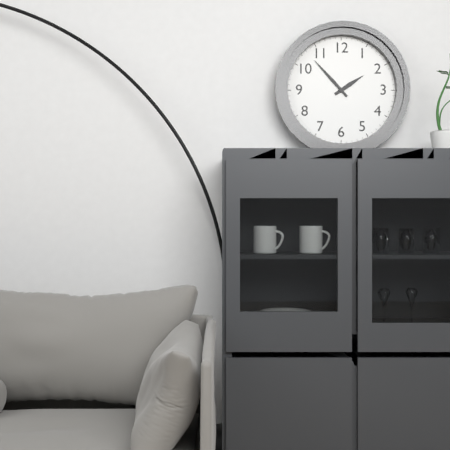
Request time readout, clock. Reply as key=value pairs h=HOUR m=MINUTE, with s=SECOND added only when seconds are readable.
h=1 m=53
